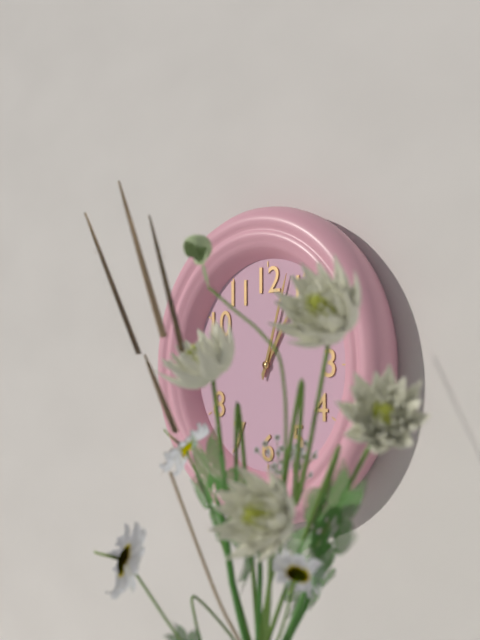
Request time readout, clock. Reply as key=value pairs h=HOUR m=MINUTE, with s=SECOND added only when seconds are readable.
h=1 m=3
